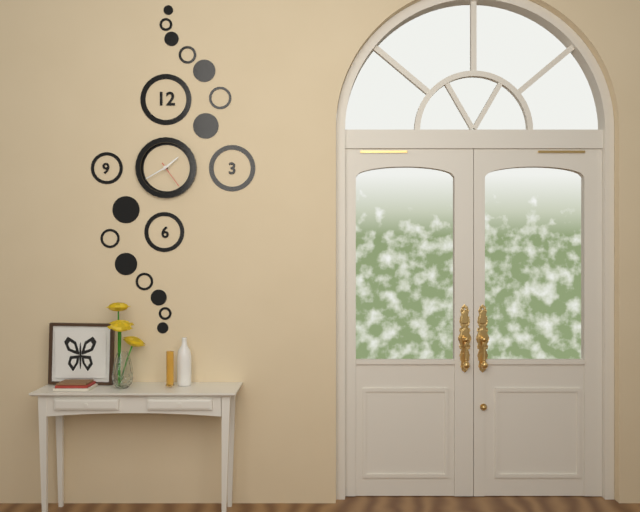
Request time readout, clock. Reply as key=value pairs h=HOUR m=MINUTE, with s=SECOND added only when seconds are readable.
h=1 m=40
